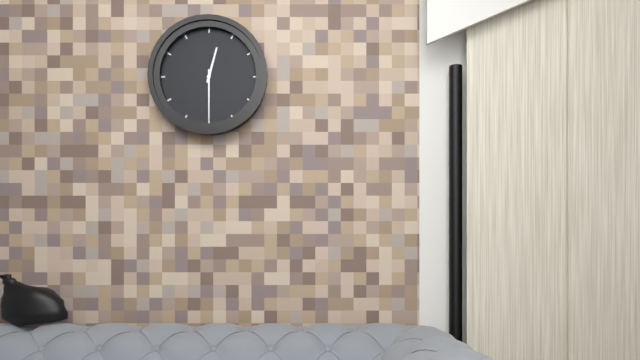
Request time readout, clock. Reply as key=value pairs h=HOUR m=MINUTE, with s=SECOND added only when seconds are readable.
h=12 m=30
